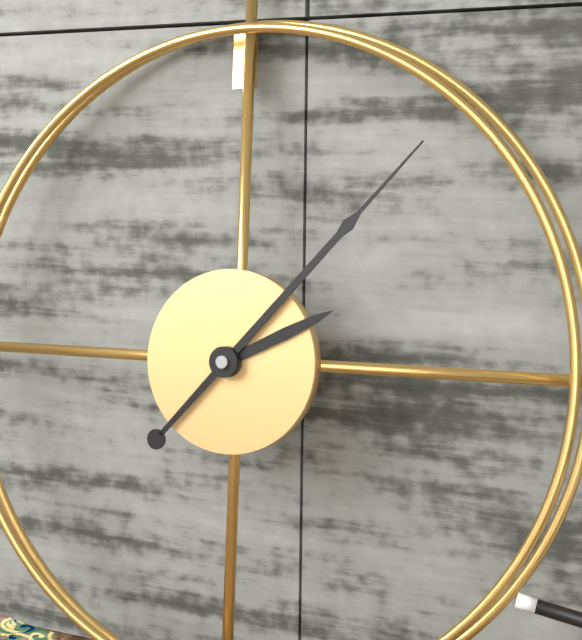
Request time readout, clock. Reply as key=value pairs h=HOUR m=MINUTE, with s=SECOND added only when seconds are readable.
h=2 m=7
